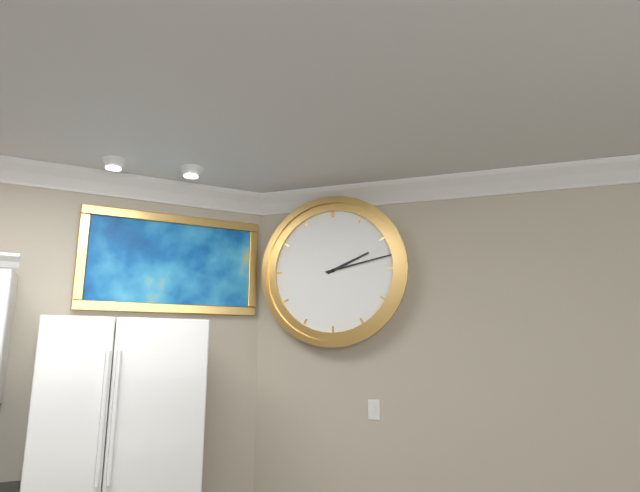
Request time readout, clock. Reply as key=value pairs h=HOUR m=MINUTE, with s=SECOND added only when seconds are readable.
h=2 m=13
